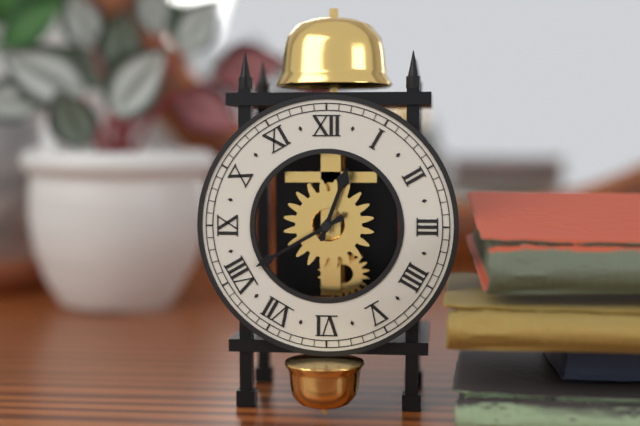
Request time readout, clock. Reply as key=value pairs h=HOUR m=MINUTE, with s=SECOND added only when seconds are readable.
h=12 m=40
